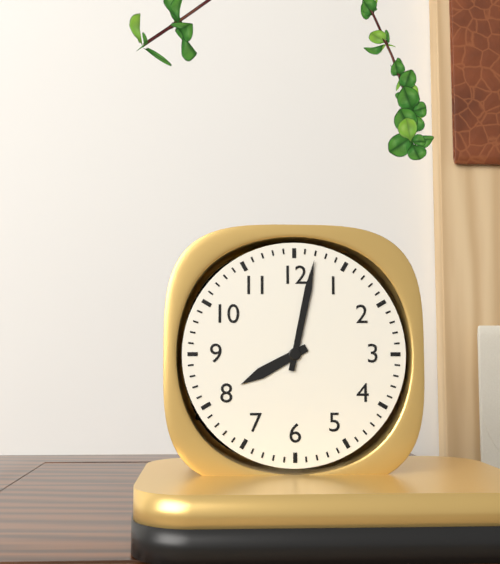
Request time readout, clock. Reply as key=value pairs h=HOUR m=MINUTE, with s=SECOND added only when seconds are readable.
h=8 m=2
